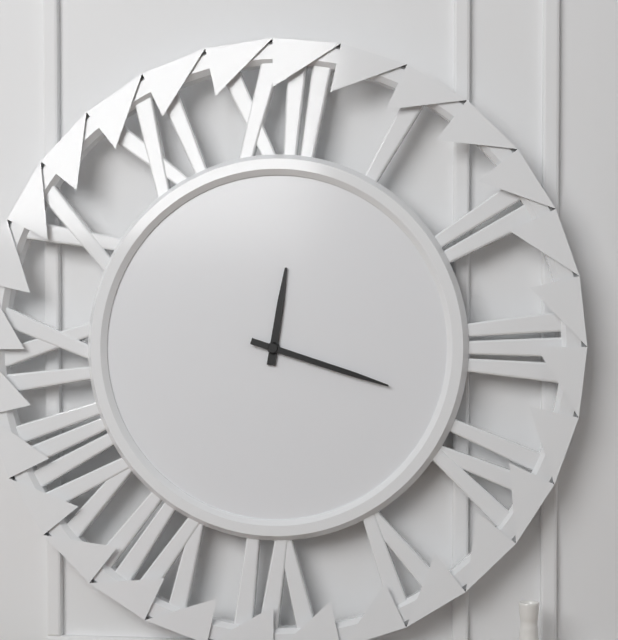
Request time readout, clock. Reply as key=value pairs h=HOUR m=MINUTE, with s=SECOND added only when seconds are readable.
h=12 m=18
